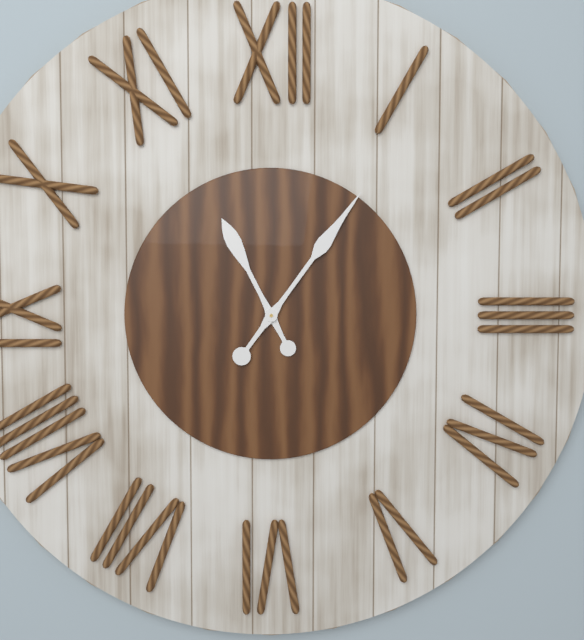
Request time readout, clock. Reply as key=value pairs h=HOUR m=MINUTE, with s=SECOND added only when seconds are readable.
h=11 m=6
